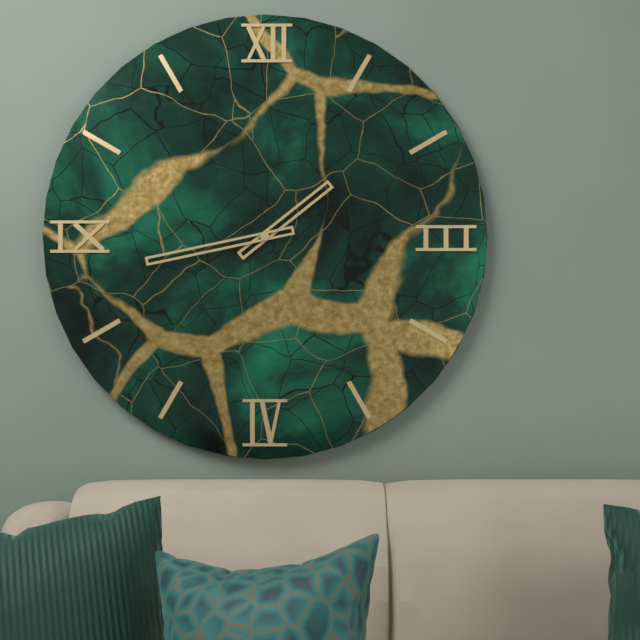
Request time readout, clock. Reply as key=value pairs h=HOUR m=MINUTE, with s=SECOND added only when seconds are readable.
h=1 m=43
